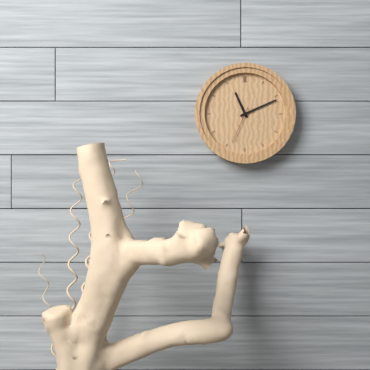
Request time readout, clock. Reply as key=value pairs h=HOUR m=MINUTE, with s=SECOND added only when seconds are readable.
h=11 m=11
